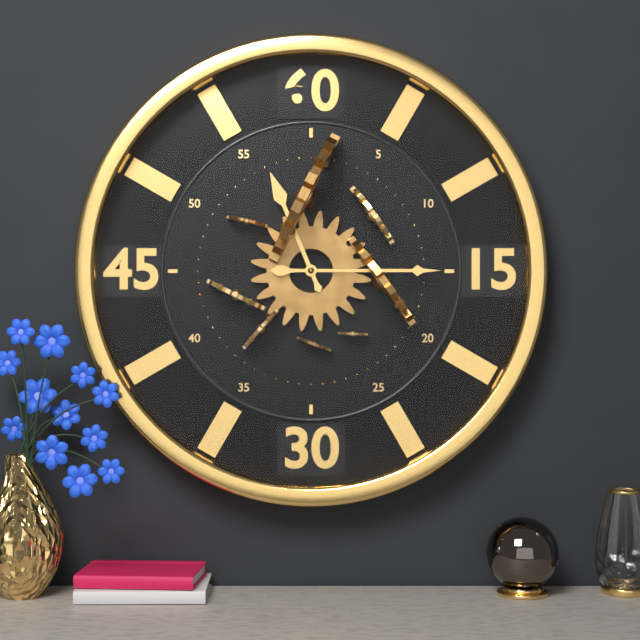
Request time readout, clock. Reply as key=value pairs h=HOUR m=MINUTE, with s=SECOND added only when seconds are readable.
h=11 m=15
